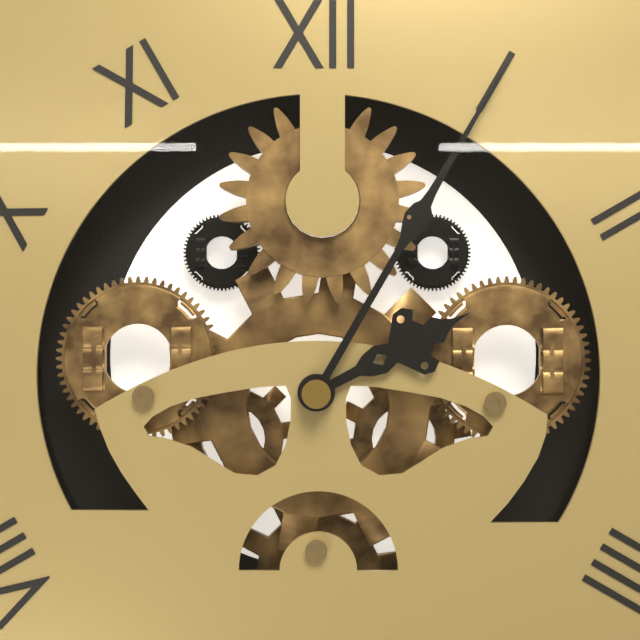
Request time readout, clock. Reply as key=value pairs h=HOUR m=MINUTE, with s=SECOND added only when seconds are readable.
h=2 m=5
